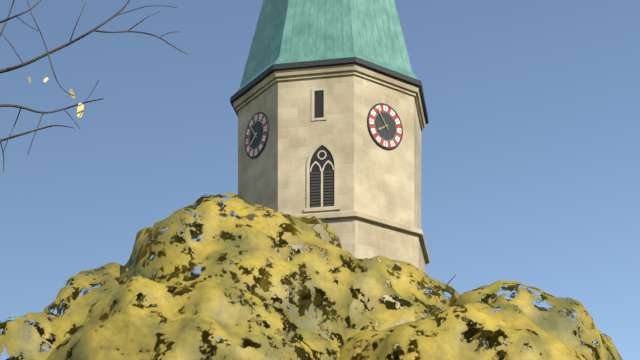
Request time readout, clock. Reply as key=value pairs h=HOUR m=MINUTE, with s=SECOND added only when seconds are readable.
h=7 m=54
